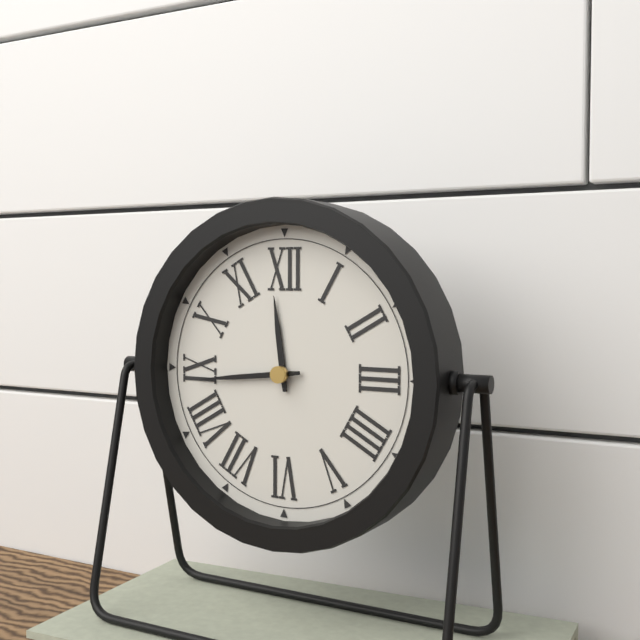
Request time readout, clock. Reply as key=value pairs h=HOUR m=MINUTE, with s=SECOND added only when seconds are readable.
h=11 m=44
